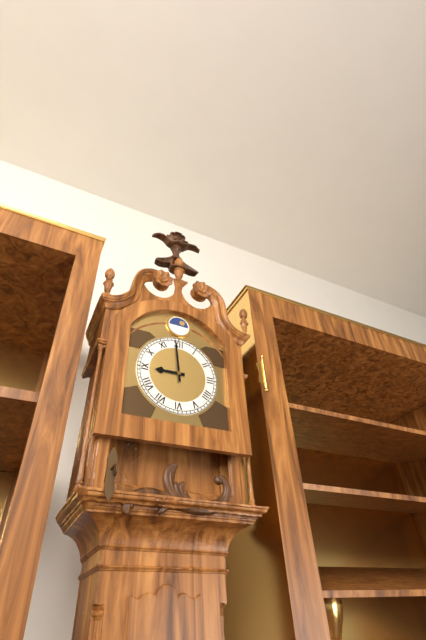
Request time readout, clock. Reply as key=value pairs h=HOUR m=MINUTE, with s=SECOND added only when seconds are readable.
h=8 m=59
